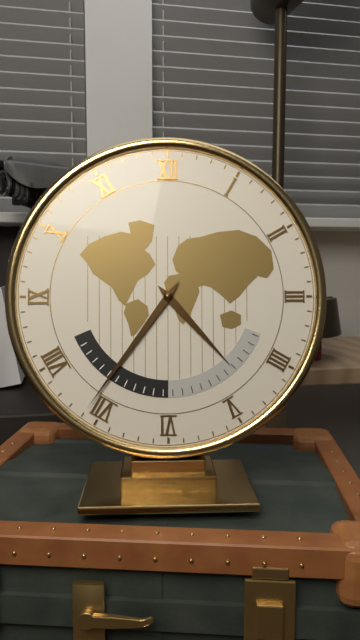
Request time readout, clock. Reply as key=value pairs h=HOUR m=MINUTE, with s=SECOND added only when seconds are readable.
h=4 m=36
